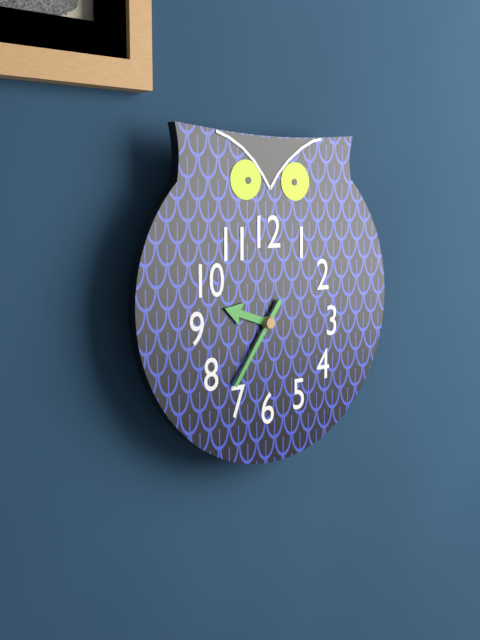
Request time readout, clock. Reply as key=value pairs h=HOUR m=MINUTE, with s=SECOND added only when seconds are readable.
h=9 m=36
